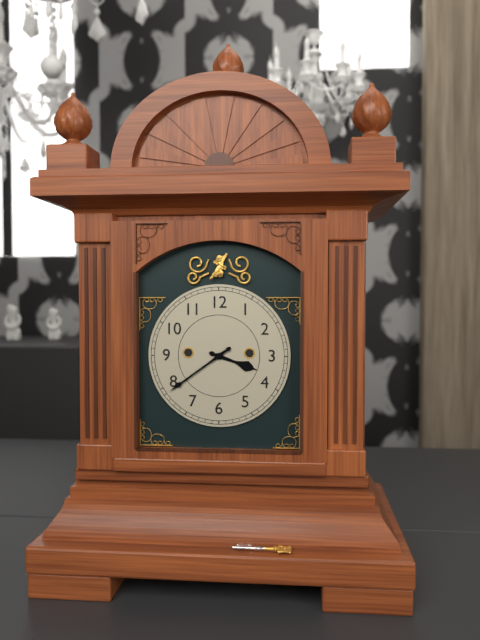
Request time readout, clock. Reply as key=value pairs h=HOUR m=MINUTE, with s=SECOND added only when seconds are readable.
h=3 m=39
